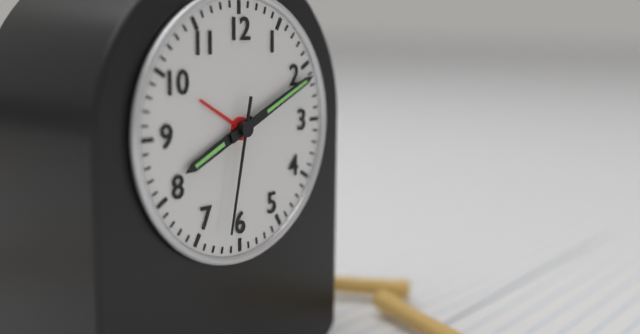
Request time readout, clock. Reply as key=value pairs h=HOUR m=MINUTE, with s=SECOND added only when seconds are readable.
h=8 m=11 s=32
